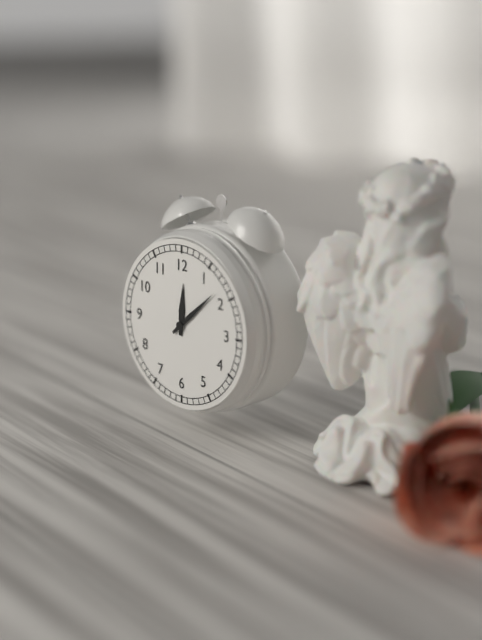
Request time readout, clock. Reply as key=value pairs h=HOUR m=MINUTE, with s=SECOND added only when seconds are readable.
h=12 m=8
